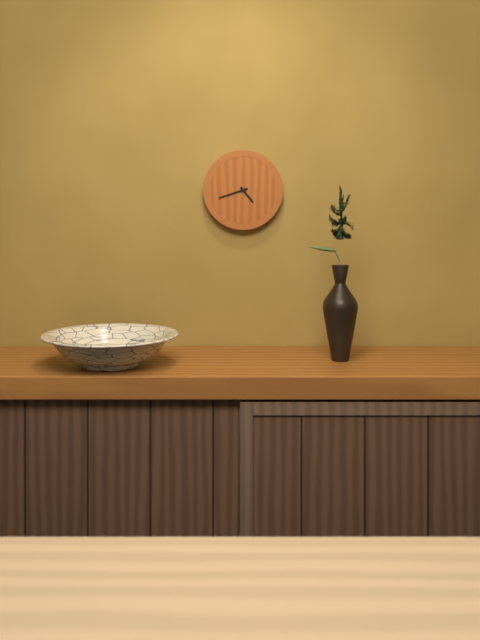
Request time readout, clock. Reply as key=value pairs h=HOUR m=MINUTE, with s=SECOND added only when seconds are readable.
h=4 m=42
